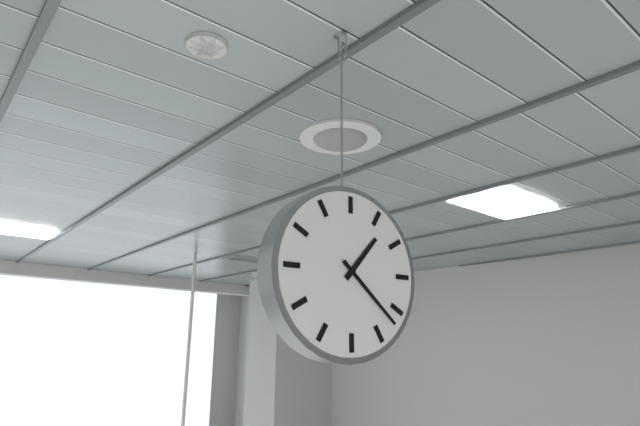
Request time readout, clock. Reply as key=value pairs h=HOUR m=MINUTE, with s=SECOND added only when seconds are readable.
h=1 m=22
